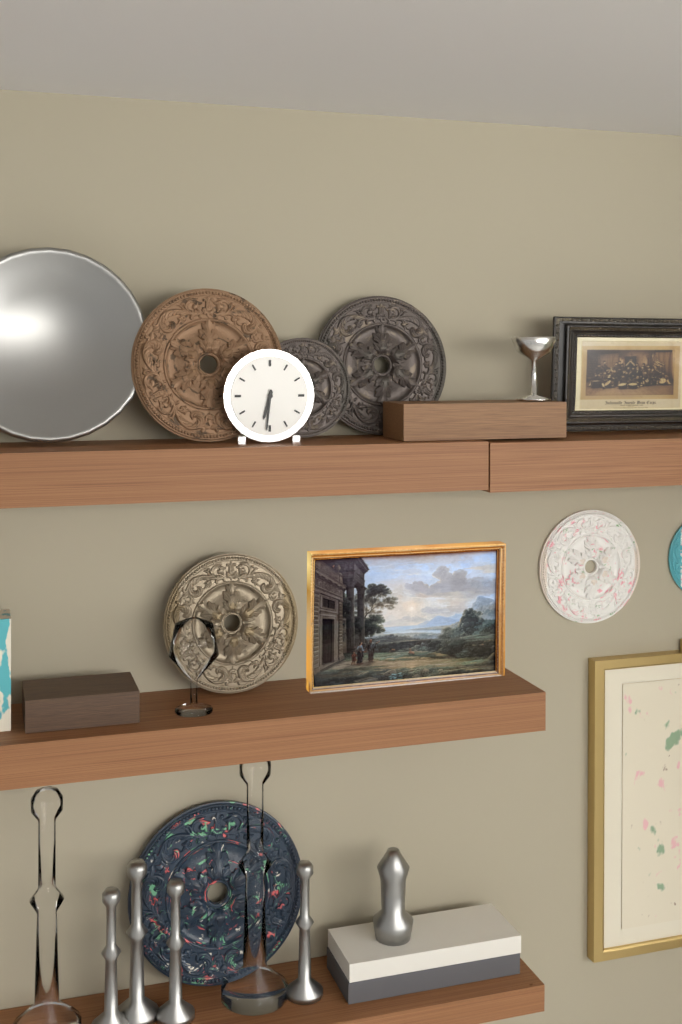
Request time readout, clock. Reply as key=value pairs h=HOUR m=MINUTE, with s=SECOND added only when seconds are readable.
h=6 m=31
